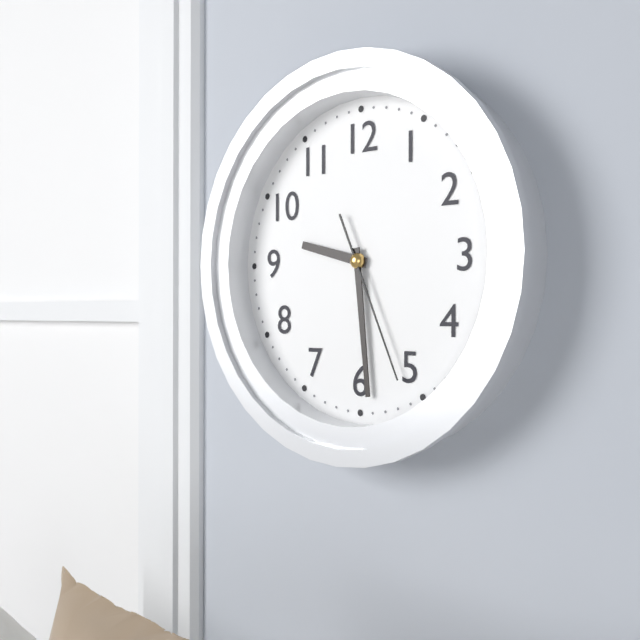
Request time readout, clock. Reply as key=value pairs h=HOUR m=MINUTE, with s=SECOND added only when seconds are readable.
h=9 m=29 s=26
